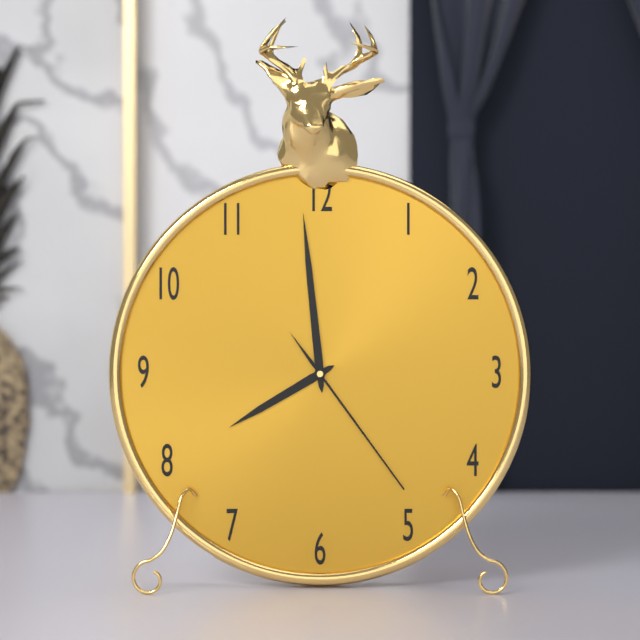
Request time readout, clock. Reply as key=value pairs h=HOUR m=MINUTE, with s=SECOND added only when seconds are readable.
h=7 m=59 s=24
